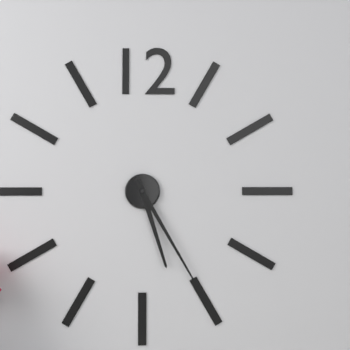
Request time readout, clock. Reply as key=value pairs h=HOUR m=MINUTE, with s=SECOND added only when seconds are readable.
h=5 m=25
